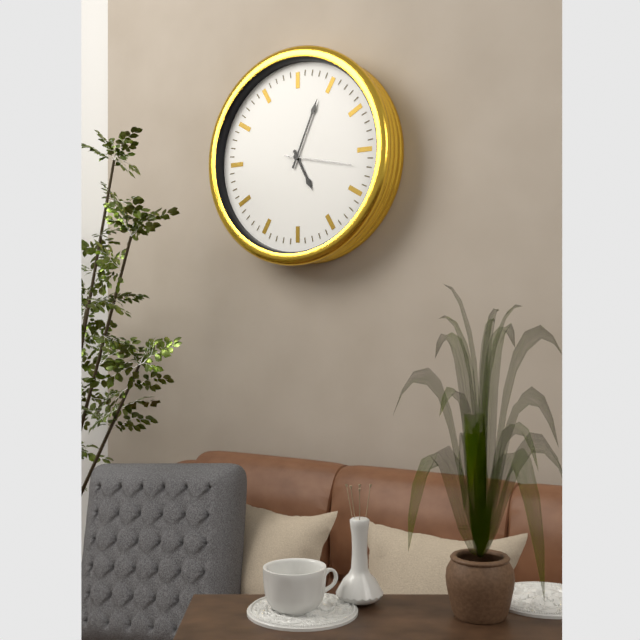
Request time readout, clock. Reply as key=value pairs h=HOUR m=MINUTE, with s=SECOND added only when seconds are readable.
h=5 m=4
